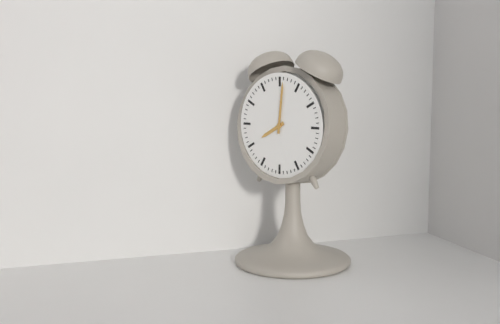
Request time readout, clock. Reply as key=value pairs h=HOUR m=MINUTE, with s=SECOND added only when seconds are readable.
h=8 m=1
